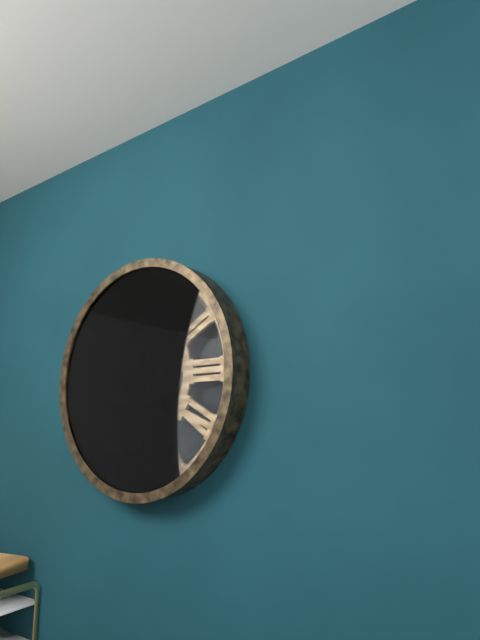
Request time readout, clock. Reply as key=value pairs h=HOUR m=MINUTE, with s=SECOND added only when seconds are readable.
h=4 m=30
